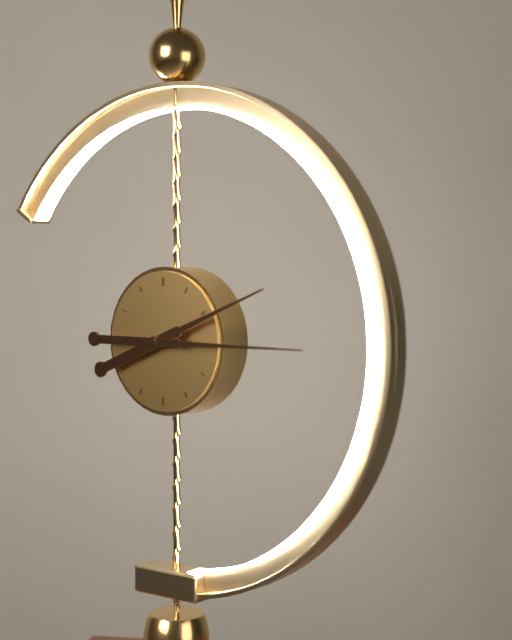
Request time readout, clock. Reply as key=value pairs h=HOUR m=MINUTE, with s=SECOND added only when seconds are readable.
h=2 m=15
